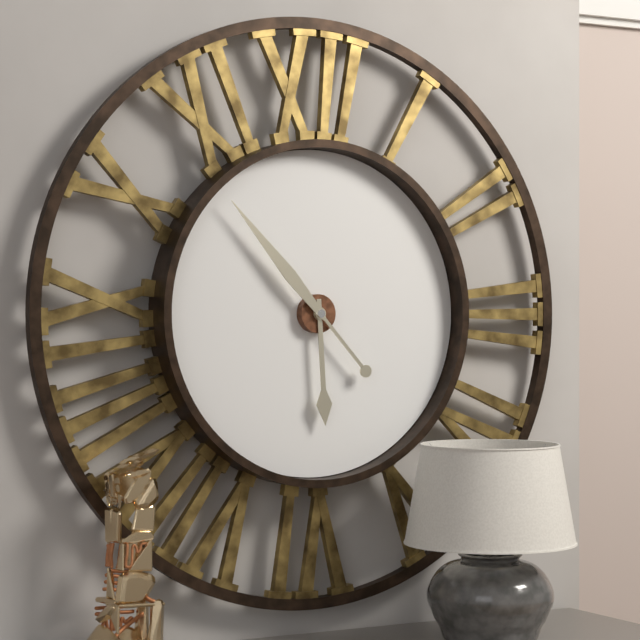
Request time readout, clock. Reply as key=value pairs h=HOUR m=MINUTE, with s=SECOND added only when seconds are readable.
h=5 m=53
